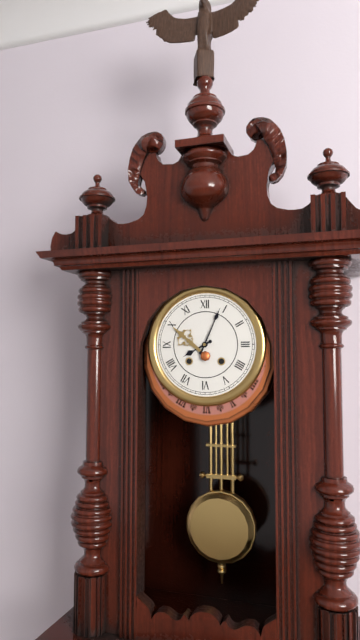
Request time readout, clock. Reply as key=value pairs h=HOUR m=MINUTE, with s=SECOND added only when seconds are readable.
h=8 m=4
